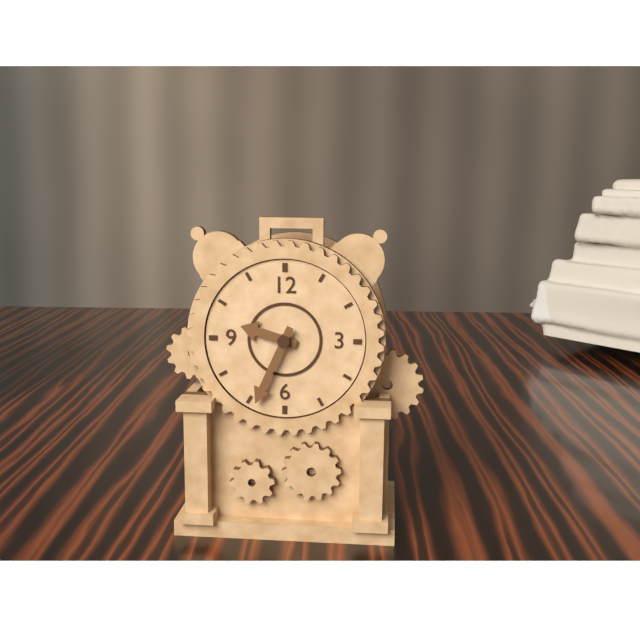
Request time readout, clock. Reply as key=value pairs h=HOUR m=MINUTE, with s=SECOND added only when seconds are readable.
h=9 m=34
